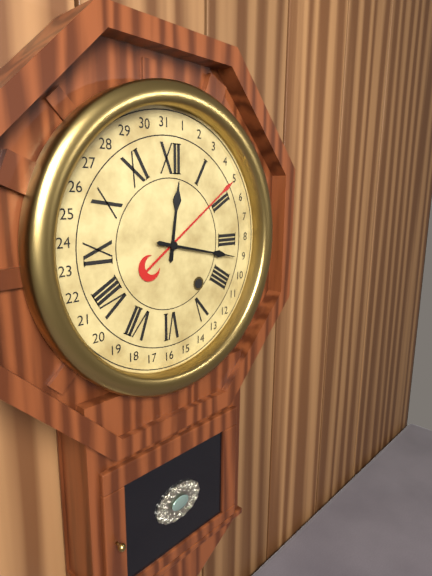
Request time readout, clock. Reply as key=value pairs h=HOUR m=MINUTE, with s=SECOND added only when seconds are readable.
h=12 m=17
